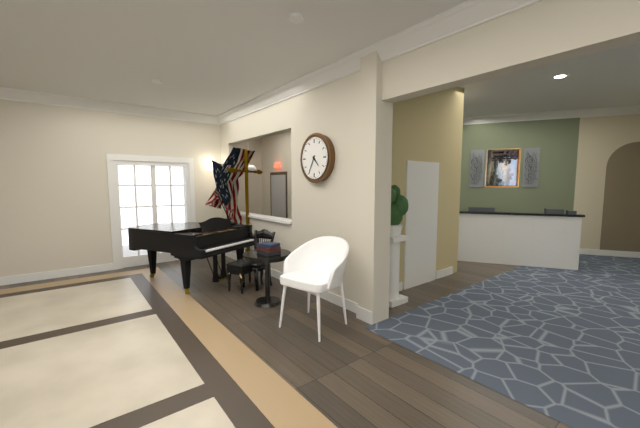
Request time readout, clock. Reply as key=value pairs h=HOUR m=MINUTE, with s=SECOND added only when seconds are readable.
h=4 m=35
